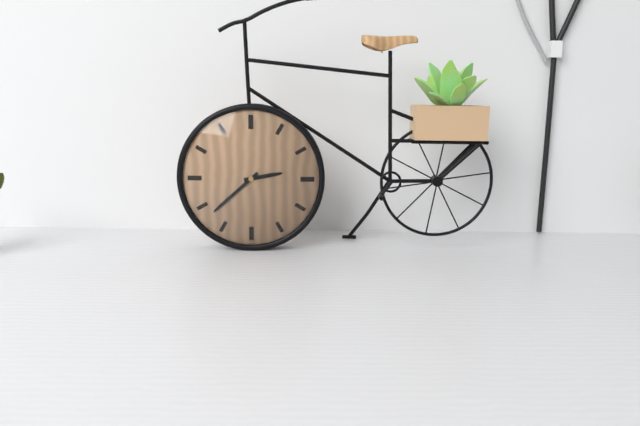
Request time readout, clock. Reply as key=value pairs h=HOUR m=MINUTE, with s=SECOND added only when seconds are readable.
h=2 m=38
